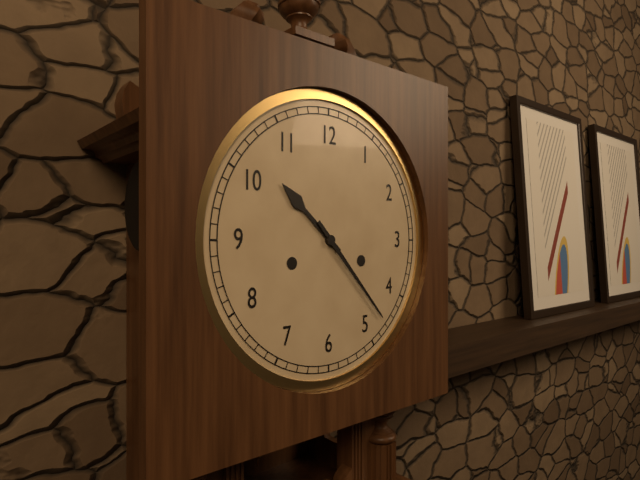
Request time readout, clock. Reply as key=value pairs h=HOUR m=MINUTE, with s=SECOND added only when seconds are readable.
h=10 m=23
